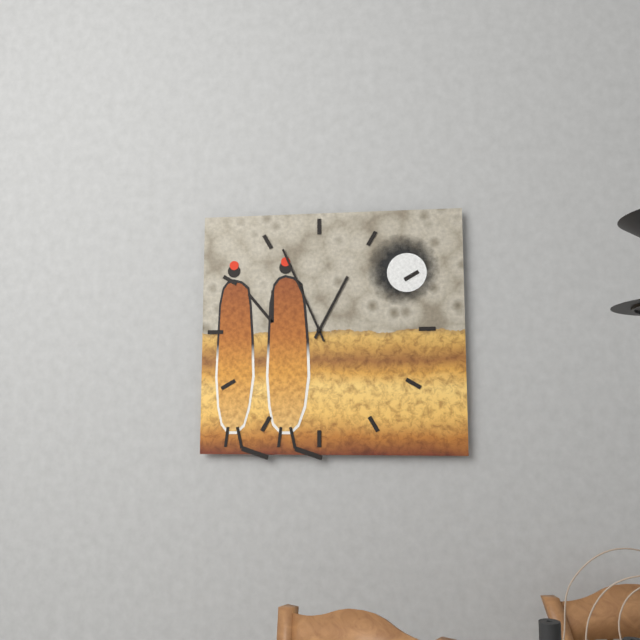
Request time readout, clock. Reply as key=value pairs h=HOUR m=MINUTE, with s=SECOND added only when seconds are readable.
h=12 m=56
